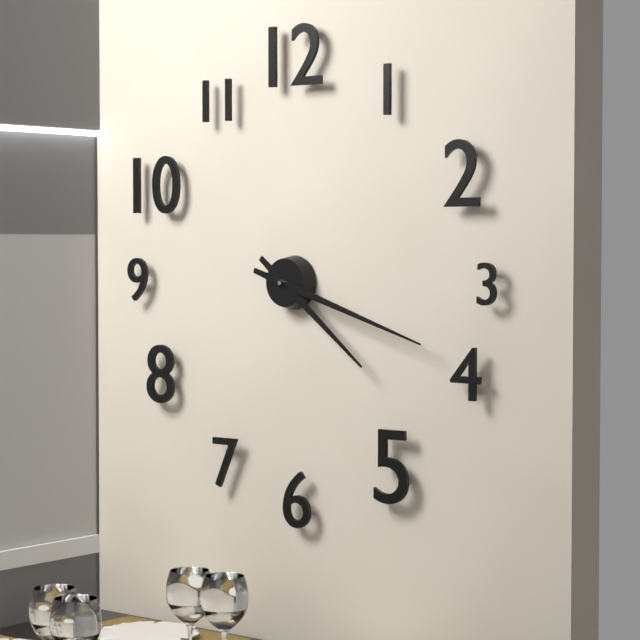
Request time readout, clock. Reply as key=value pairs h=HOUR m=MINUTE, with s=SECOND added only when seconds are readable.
h=4 m=18
